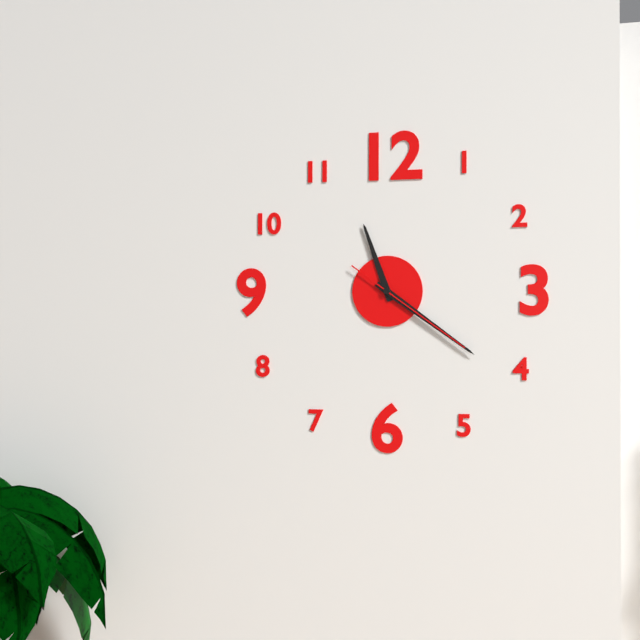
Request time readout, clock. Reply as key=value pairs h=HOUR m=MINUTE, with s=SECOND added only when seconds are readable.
h=11 m=21 s=21
